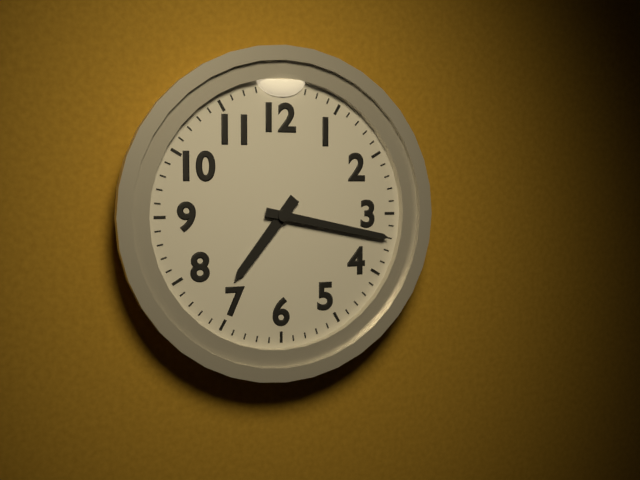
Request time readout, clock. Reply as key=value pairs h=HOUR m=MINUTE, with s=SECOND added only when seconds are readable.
h=7 m=17
